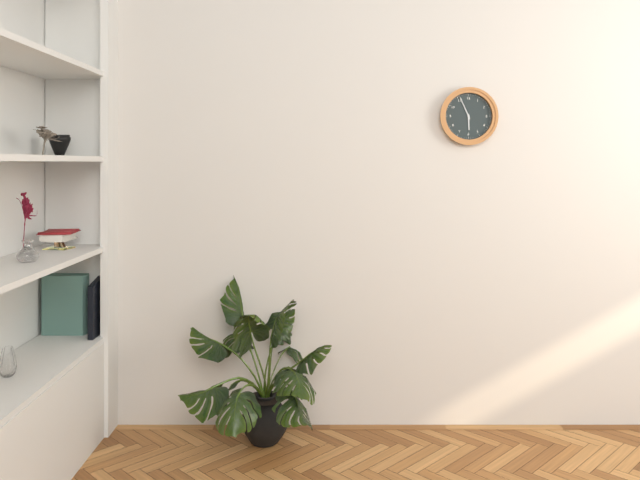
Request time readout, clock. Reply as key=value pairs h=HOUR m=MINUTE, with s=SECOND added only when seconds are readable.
h=5 m=56
